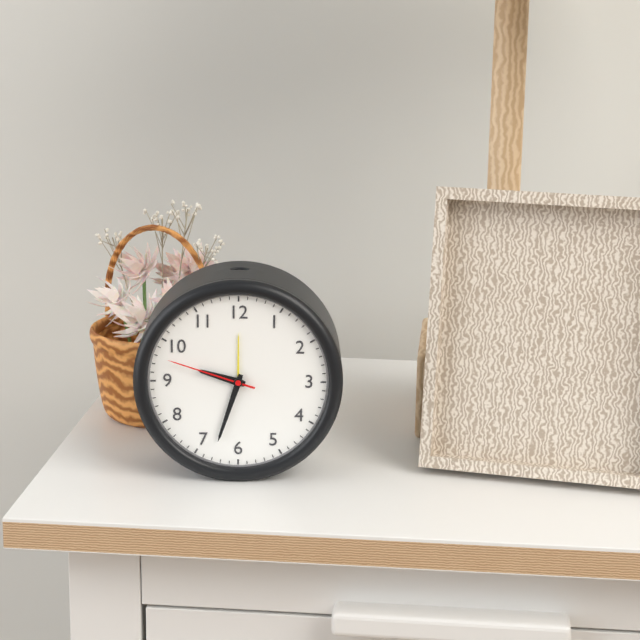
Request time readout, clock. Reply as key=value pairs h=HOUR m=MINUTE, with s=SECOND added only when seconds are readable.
h=9 m=33 s=48
